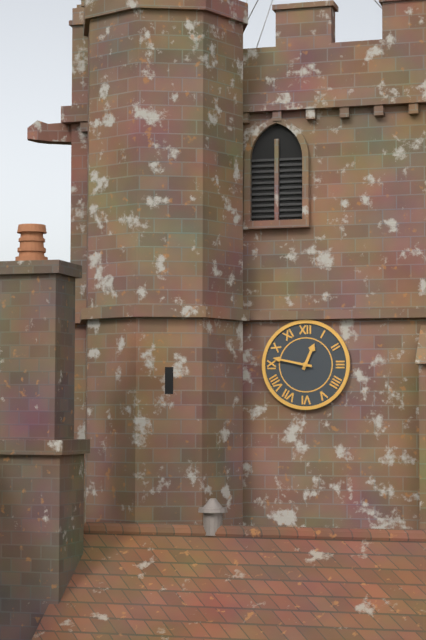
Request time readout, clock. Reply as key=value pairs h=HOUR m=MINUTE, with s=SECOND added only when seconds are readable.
h=12 m=47
